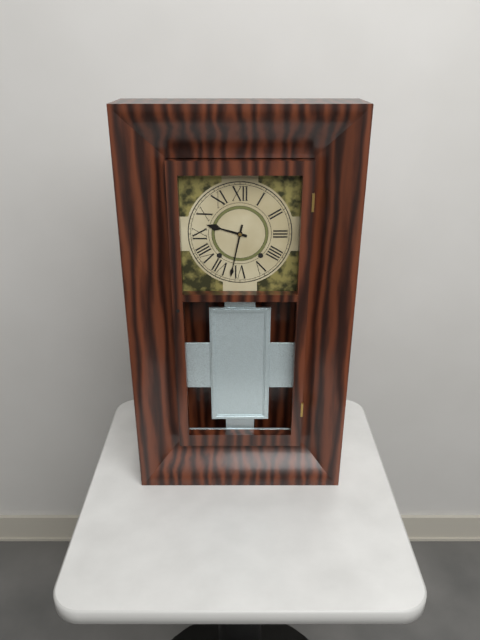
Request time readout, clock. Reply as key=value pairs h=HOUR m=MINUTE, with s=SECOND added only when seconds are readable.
h=9 m=32
